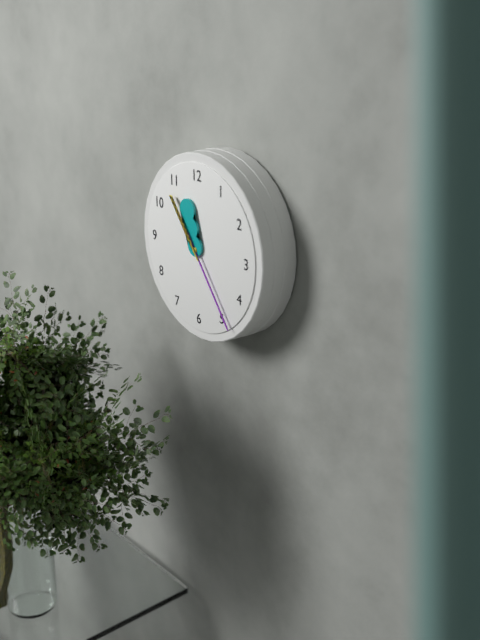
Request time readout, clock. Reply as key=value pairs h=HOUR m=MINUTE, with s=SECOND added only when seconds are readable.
h=11 m=24 s=54
